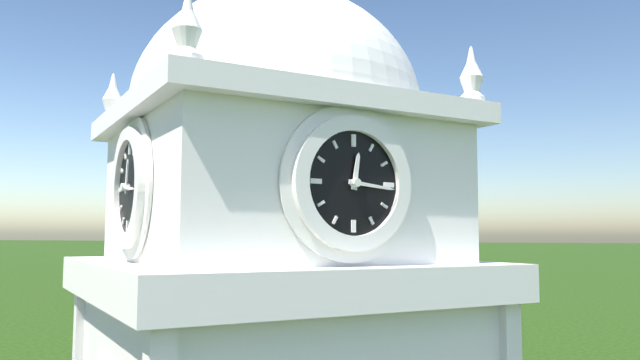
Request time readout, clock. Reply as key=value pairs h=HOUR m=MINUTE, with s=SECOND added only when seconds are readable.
h=12 m=16
